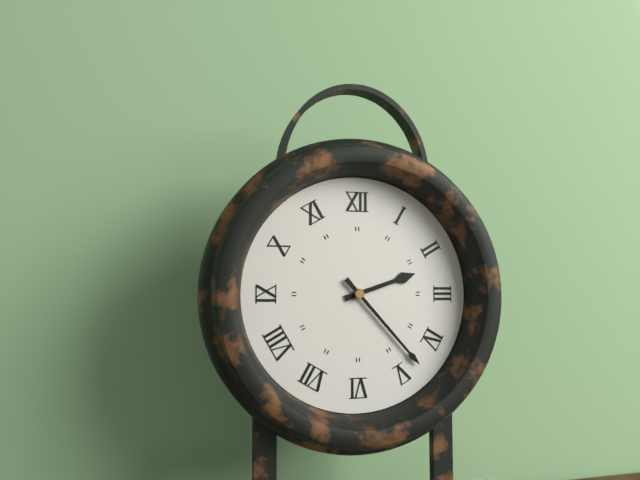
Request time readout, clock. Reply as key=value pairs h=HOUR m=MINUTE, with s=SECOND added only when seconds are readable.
h=2 m=23
